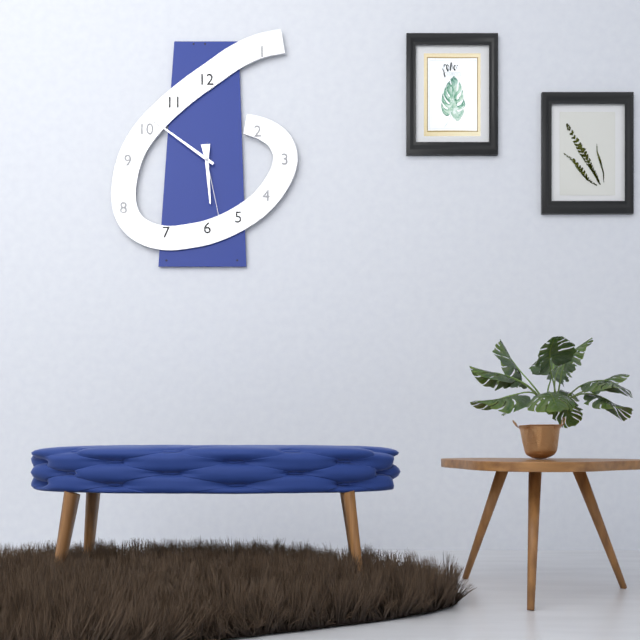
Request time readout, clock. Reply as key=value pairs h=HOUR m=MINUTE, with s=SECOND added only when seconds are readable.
h=5 m=51 s=28
